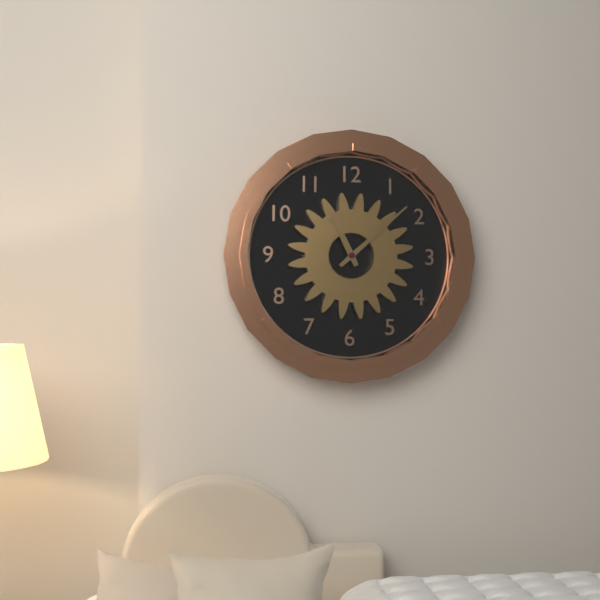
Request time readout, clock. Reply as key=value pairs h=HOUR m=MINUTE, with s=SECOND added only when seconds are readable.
h=11 m=8
